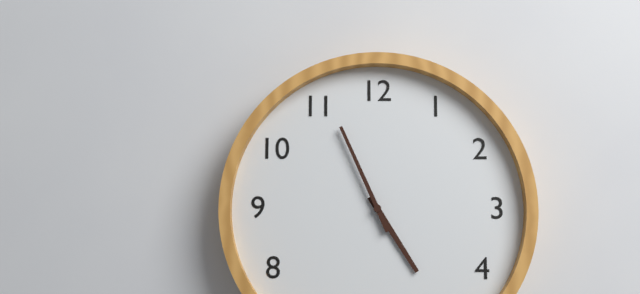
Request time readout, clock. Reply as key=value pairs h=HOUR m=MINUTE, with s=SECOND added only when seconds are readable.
h=4 m=56
